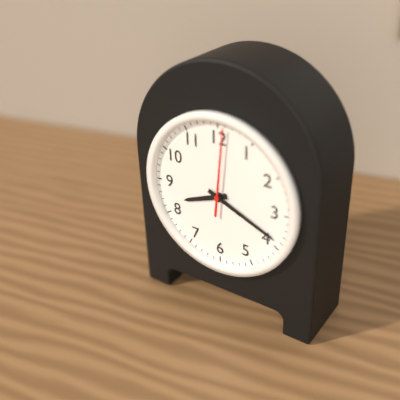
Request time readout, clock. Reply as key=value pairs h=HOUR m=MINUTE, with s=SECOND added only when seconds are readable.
h=8 m=19 s=1
